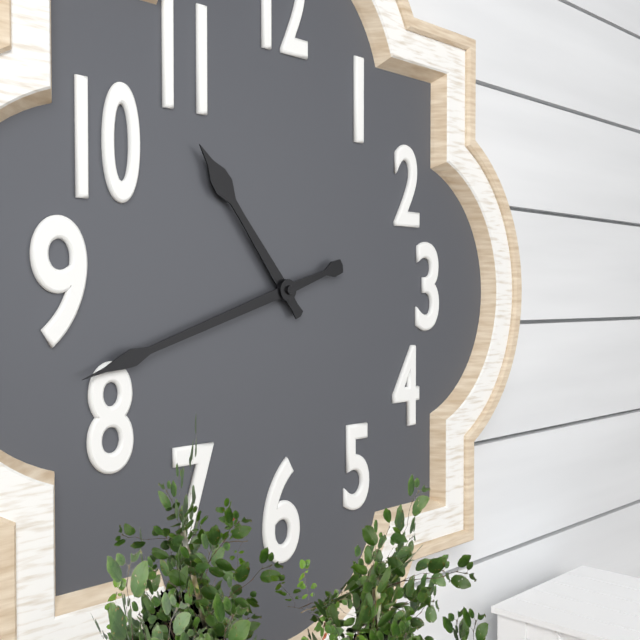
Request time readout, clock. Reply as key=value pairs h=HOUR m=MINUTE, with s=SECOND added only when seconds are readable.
h=10 m=42
